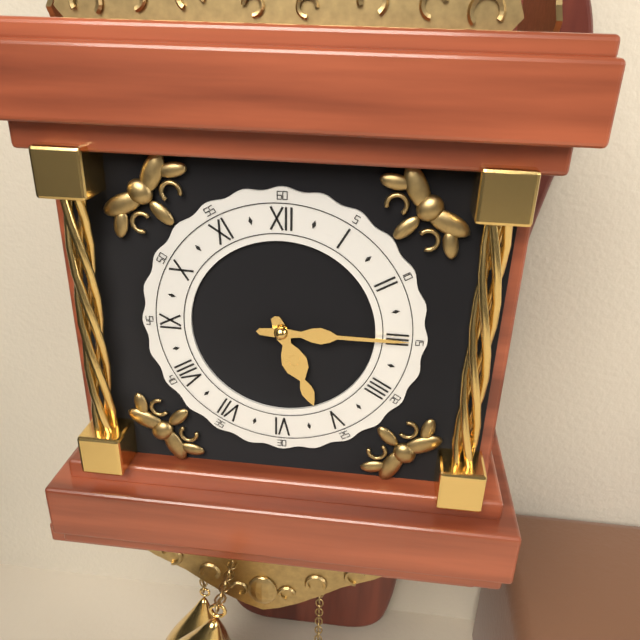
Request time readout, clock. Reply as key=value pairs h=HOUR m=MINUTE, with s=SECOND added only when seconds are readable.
h=5 m=15
